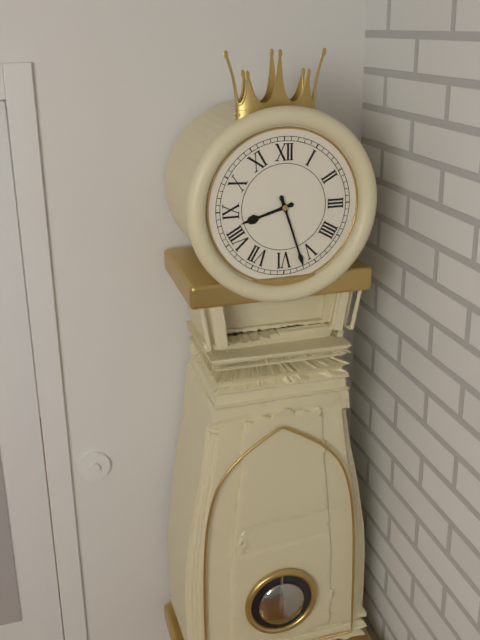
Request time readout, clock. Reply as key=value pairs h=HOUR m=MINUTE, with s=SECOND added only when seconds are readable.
h=8 m=27
